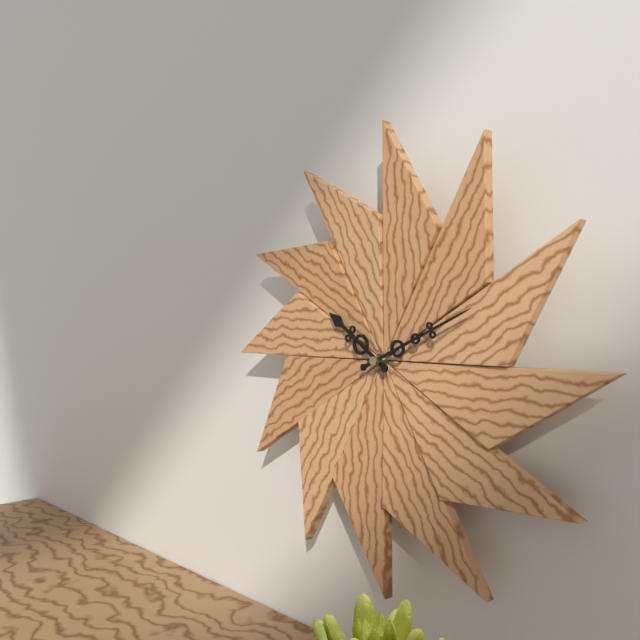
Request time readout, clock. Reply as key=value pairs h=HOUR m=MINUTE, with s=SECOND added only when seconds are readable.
h=10 m=11
